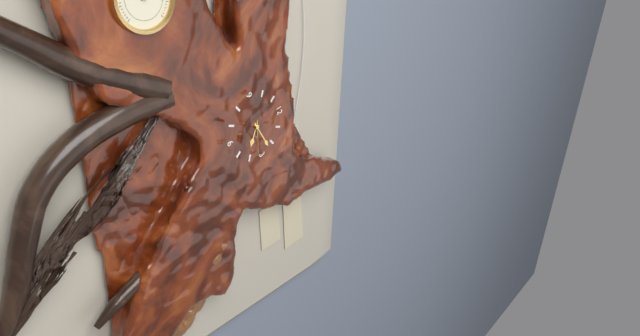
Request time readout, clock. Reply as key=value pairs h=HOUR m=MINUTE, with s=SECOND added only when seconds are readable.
h=4 m=12
